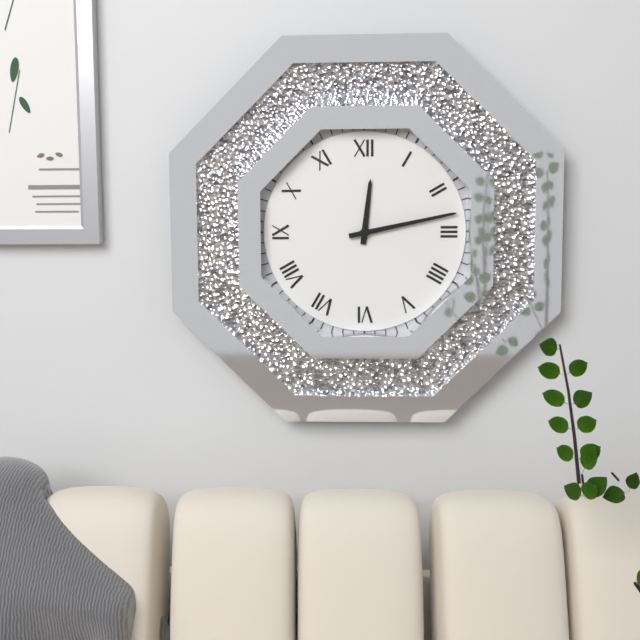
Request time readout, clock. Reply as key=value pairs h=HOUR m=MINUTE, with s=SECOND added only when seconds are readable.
h=12 m=13
